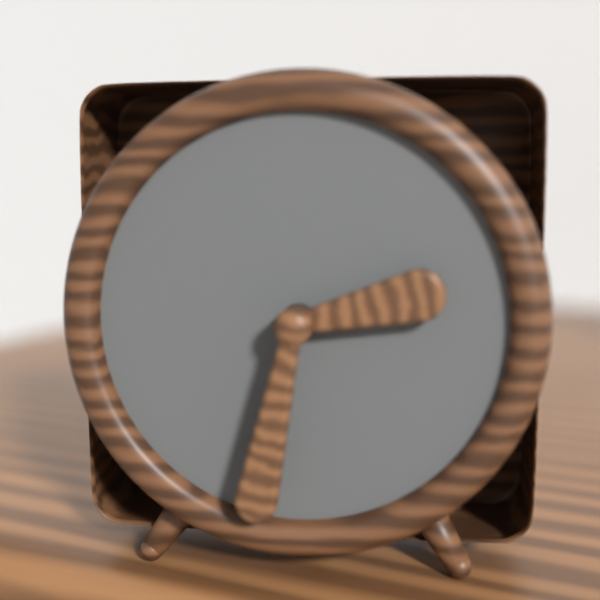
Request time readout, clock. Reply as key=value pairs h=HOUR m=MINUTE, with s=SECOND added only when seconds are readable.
h=2 m=32
